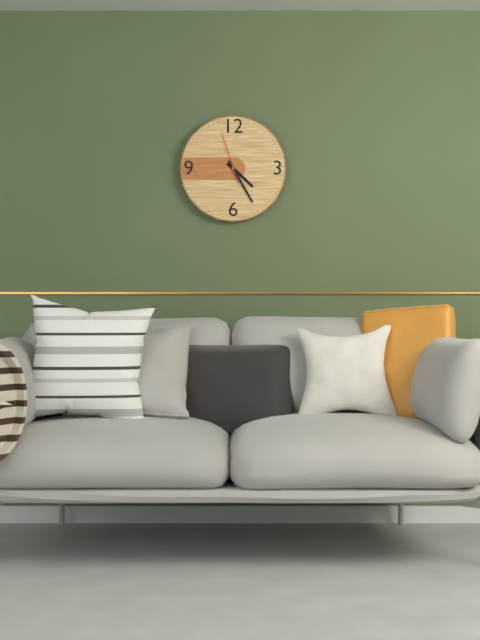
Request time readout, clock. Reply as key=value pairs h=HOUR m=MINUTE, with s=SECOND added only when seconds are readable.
h=4 m=25
